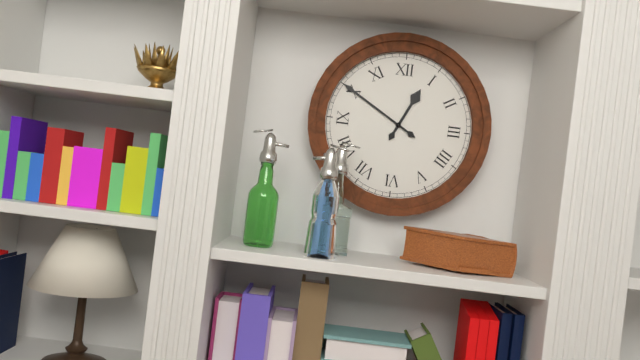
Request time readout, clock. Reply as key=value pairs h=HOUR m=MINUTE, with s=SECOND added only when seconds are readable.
h=12 m=50
